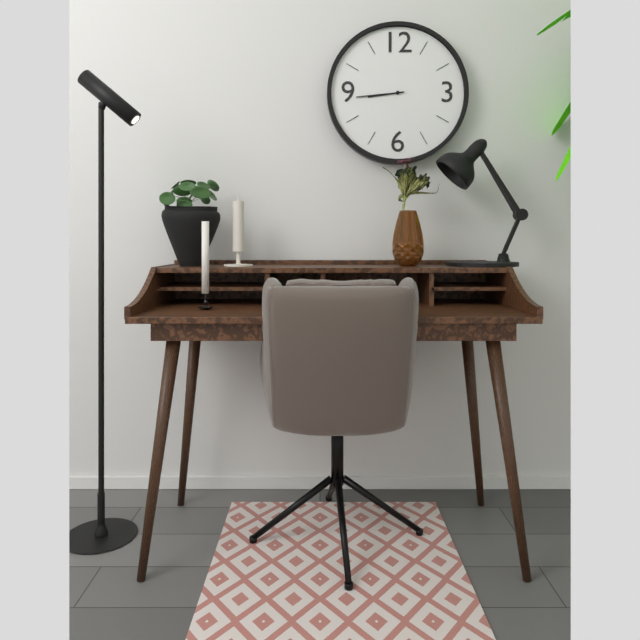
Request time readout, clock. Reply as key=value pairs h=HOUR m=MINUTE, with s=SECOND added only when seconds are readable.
h=8 m=44
